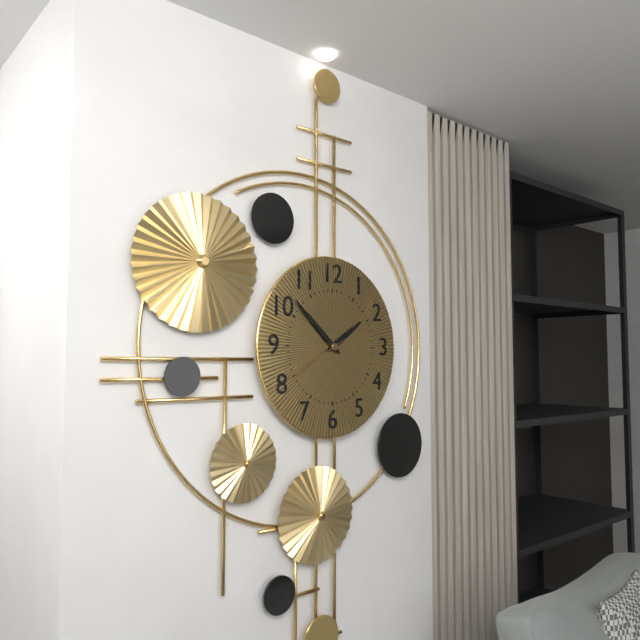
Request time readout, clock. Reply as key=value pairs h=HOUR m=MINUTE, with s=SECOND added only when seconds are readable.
h=1 m=52 s=40
